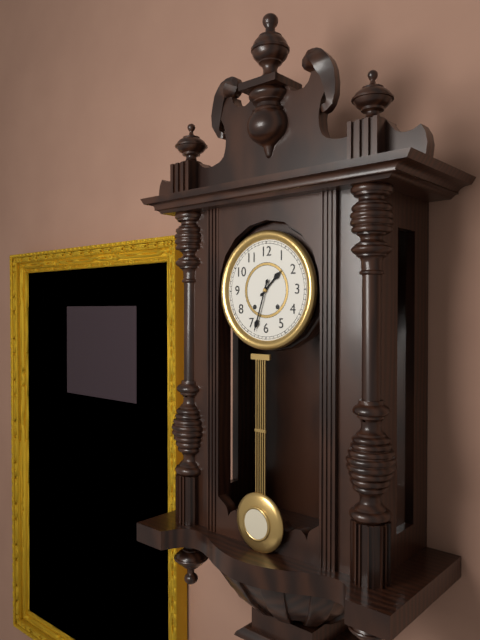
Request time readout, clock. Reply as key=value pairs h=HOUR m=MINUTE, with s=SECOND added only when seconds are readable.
h=1 m=33
